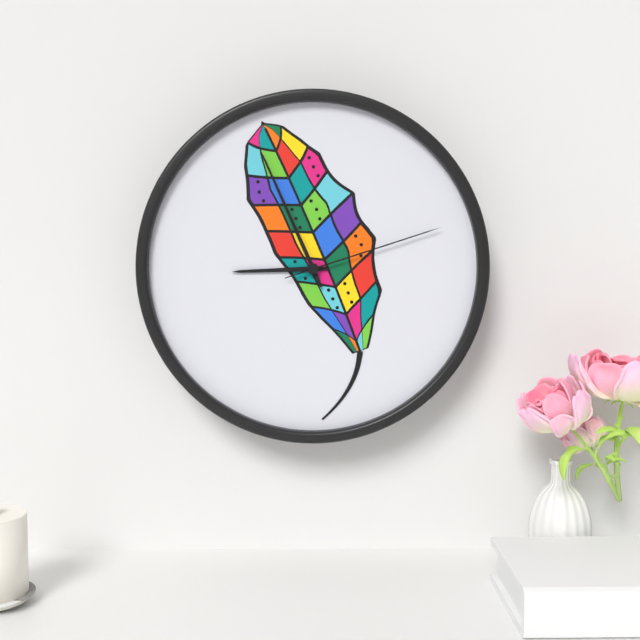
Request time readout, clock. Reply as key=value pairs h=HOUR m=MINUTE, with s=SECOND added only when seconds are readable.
h=8 m=56 s=12
